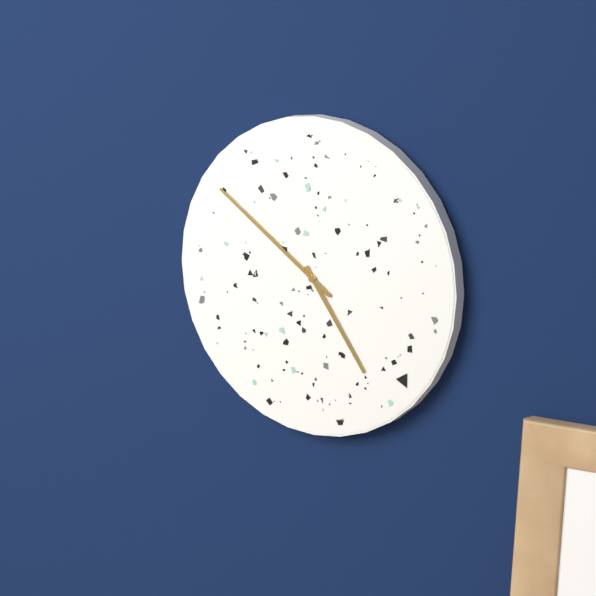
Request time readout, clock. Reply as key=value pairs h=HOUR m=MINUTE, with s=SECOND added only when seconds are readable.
h=4 m=51
